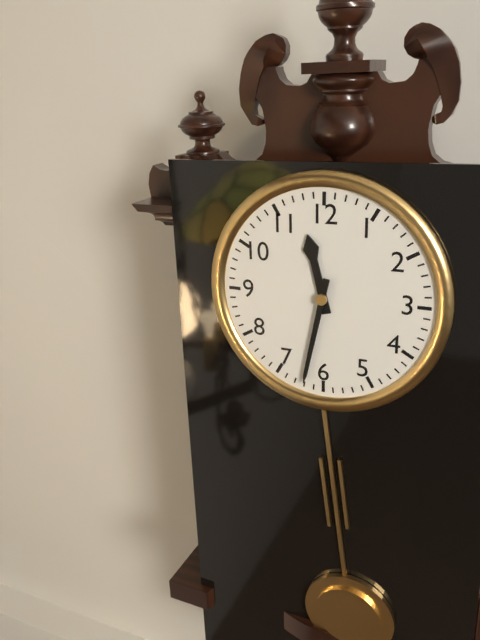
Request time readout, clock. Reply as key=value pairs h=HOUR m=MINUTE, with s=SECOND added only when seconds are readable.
h=11 m=32
